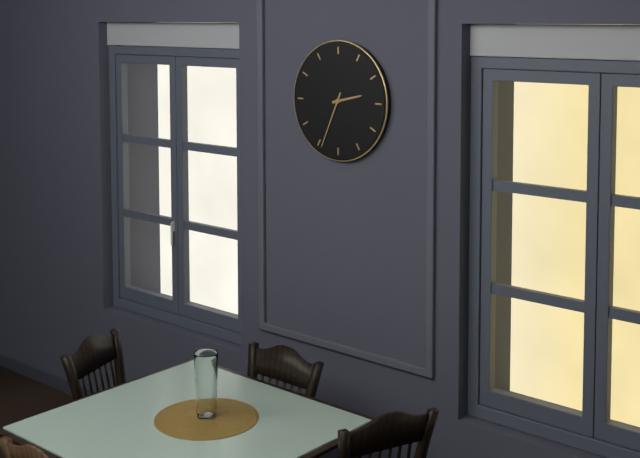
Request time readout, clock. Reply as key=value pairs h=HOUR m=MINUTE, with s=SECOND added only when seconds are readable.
h=2 m=34
